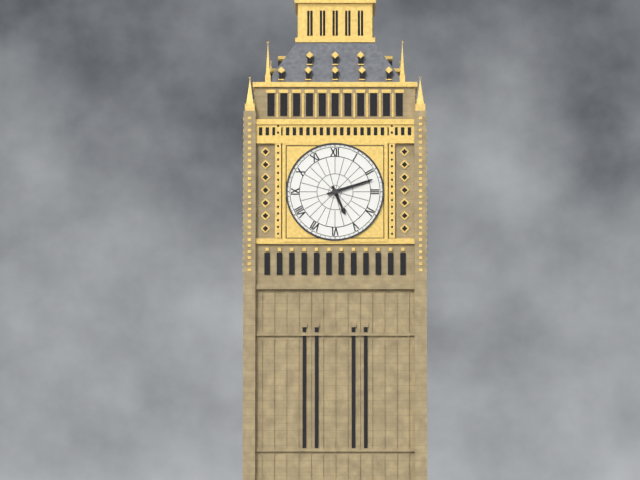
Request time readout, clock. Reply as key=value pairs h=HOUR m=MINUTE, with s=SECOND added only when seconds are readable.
h=5 m=12
